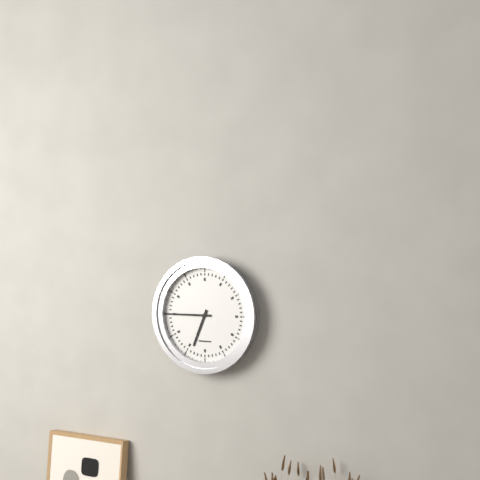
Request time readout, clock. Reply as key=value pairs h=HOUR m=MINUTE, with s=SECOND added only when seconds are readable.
h=6 m=45
